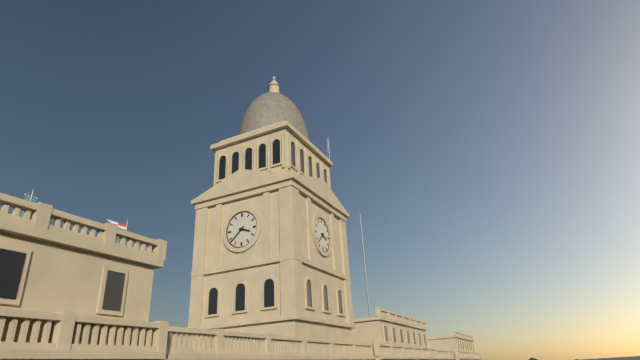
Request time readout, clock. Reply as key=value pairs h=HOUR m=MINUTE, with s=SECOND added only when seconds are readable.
h=3 m=38
